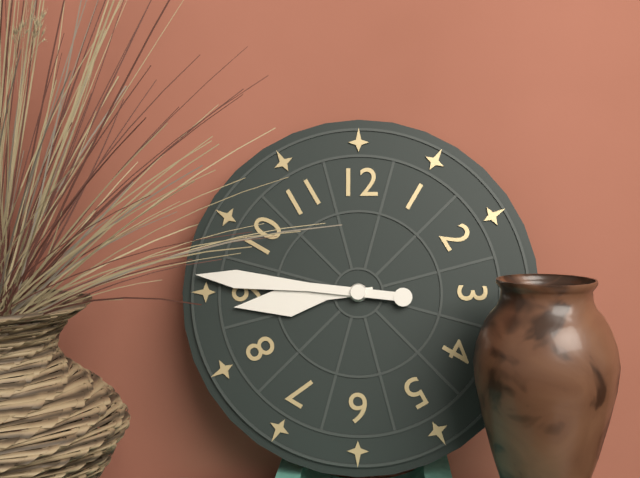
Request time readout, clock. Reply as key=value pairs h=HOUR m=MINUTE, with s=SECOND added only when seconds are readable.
h=8 m=46
